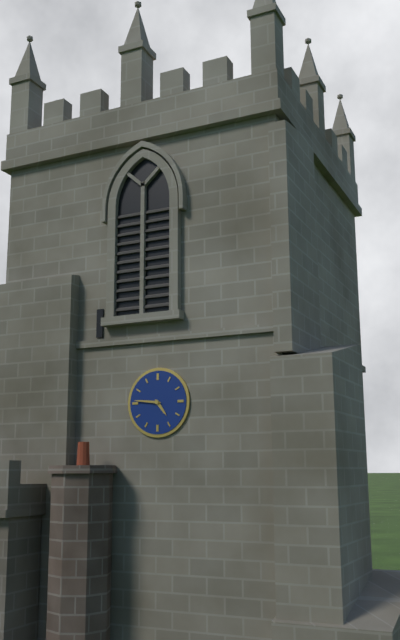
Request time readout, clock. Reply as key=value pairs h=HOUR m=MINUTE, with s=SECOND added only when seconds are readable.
h=4 m=46
